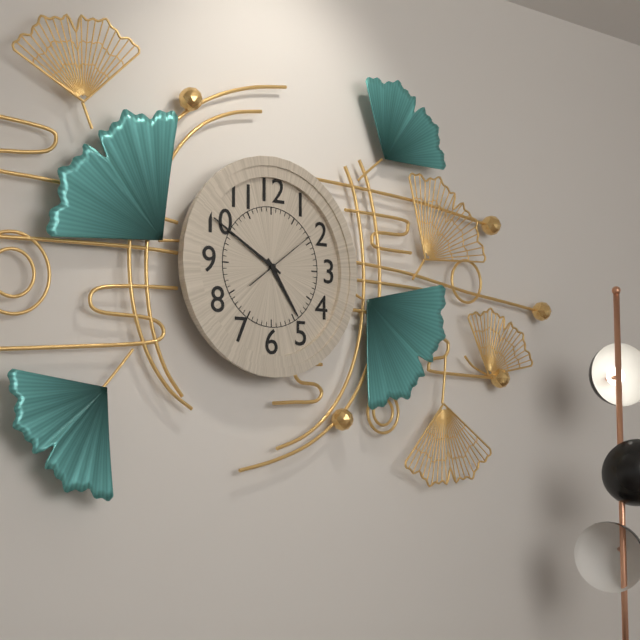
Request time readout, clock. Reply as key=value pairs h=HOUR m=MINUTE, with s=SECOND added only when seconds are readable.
h=4 m=50 s=9
